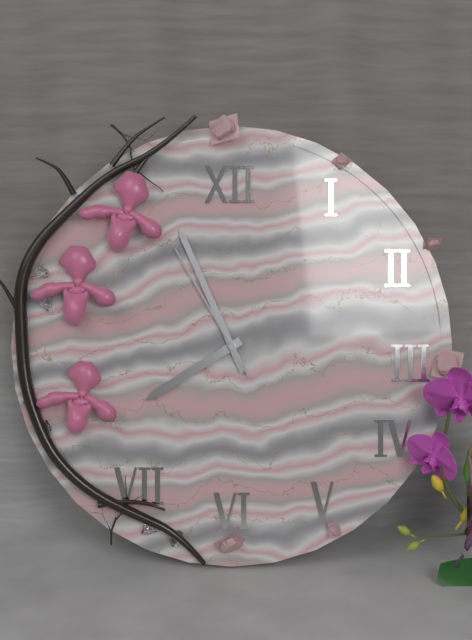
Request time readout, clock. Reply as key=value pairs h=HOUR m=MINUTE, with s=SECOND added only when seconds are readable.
h=7 m=56 s=55
